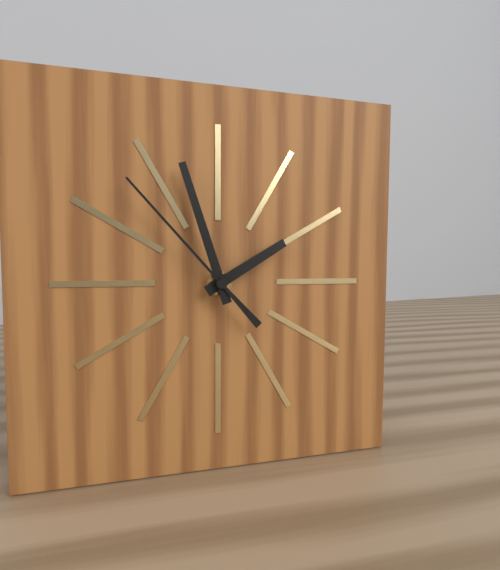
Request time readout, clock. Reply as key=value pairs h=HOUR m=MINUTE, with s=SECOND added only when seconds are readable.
h=1 m=57 s=53
